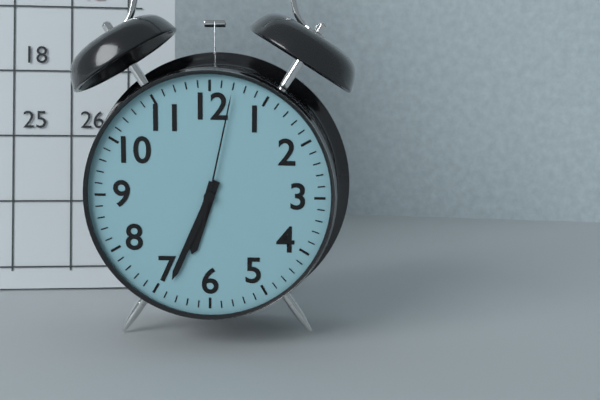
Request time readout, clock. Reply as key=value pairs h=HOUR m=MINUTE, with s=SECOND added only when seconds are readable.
h=6 m=34 s=2
